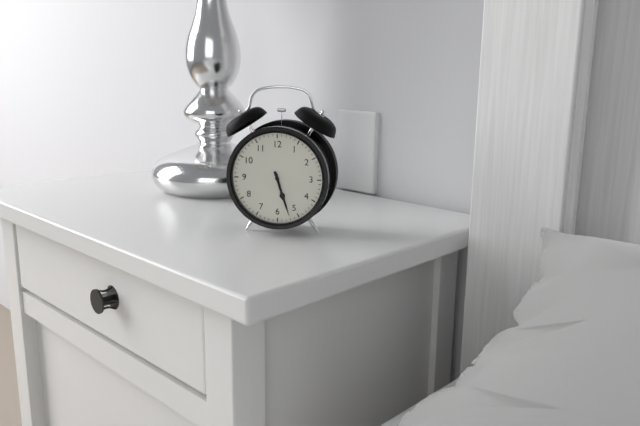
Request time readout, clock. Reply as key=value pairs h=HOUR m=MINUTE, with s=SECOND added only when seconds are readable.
h=5 m=27
